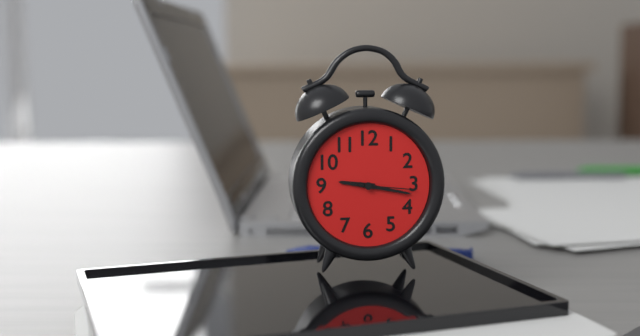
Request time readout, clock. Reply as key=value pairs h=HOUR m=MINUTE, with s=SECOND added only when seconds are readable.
h=9 m=17 s=16
